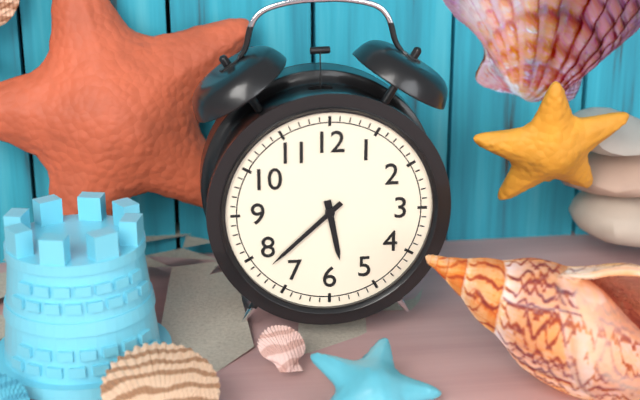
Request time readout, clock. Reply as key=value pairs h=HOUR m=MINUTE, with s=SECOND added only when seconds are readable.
h=5 m=38
